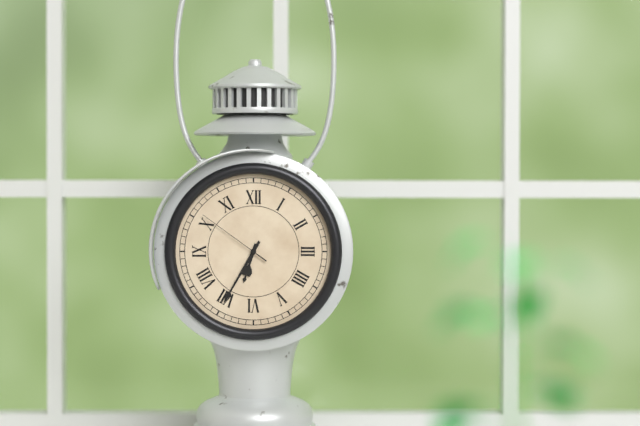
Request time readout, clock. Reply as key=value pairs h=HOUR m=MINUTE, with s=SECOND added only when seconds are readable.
h=6 m=35 s=51
